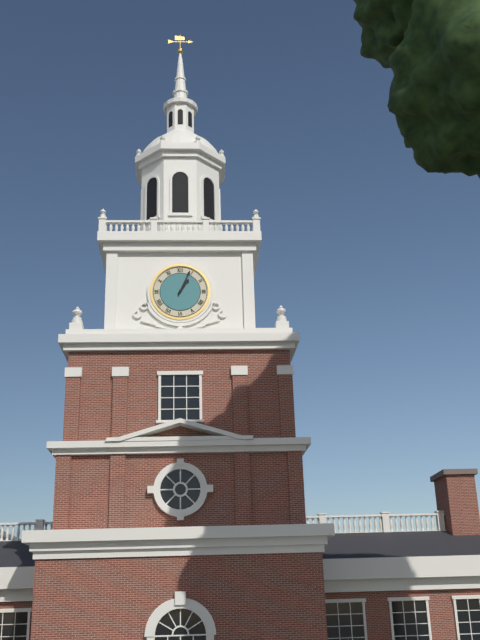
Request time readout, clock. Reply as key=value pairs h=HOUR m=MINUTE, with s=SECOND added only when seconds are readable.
h=1 m=4
